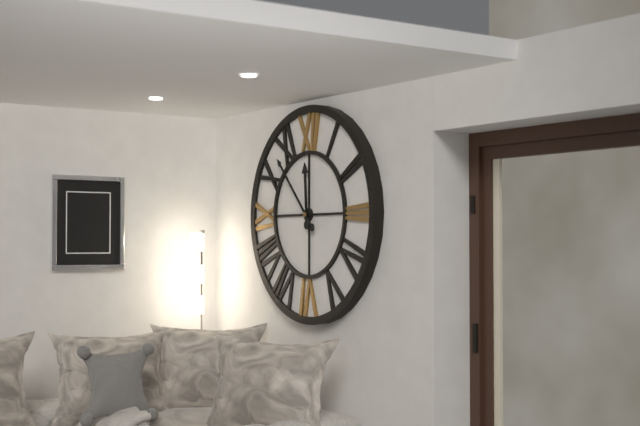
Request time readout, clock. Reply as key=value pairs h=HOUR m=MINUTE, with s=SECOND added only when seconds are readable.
h=11 m=53
